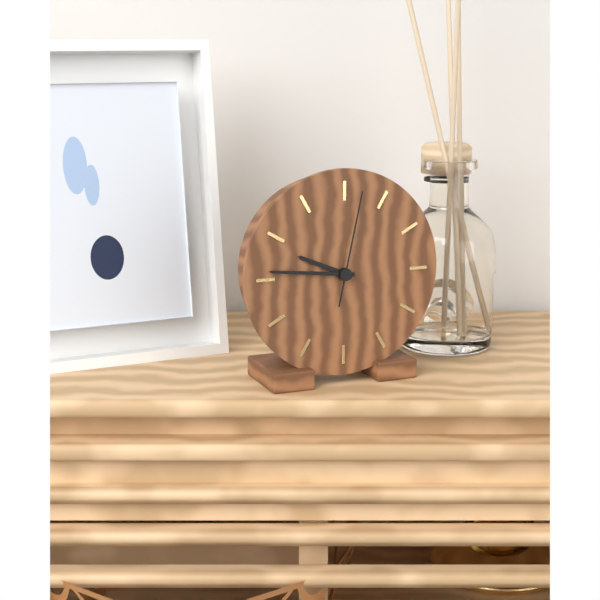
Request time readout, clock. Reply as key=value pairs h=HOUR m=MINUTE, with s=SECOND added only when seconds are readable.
h=9 m=46 s=2
